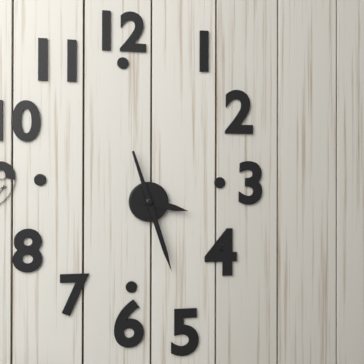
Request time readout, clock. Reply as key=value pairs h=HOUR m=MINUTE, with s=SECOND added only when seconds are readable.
h=3 m=27
